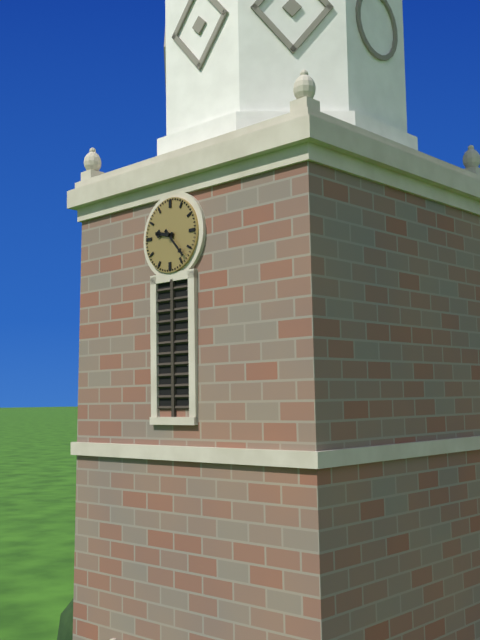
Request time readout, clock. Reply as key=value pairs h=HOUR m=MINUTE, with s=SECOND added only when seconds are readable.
h=9 m=23
